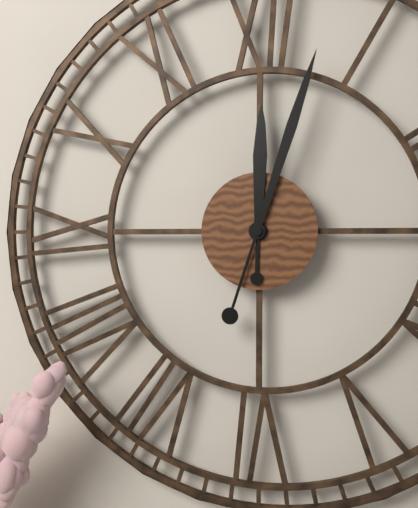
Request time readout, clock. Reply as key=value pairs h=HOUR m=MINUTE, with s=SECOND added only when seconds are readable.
h=12 m=3
